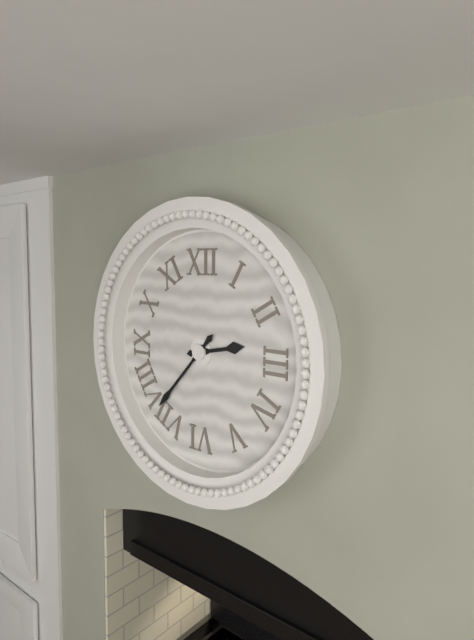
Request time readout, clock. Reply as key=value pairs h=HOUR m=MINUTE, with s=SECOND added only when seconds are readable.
h=2 m=37
